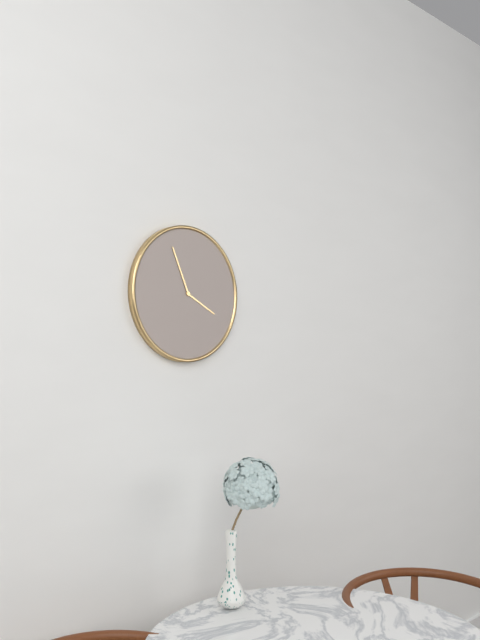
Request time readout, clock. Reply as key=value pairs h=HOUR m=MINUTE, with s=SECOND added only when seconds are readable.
h=3 m=56
